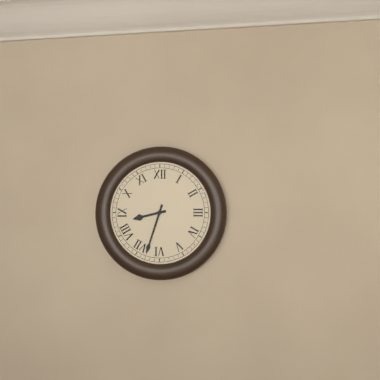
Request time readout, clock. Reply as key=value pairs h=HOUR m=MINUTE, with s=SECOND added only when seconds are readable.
h=8 m=33
